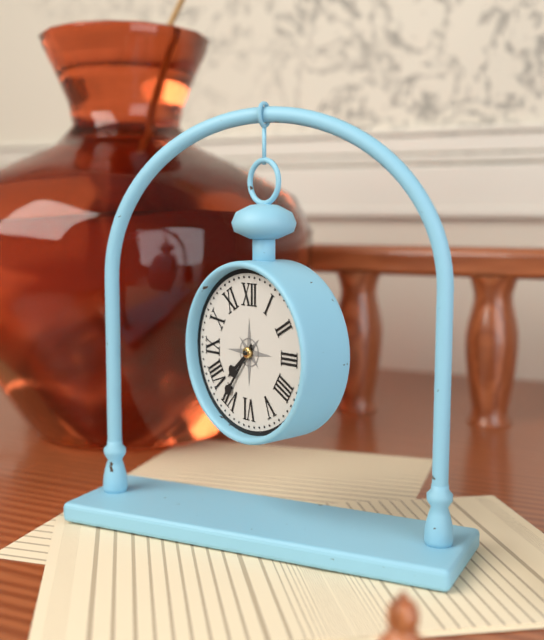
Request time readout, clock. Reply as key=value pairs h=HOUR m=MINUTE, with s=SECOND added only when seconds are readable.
h=7 m=36
